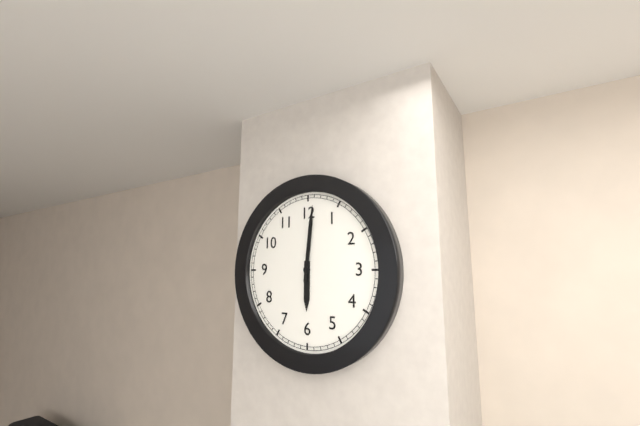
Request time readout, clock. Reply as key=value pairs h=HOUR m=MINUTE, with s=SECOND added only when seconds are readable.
h=6 m=1
